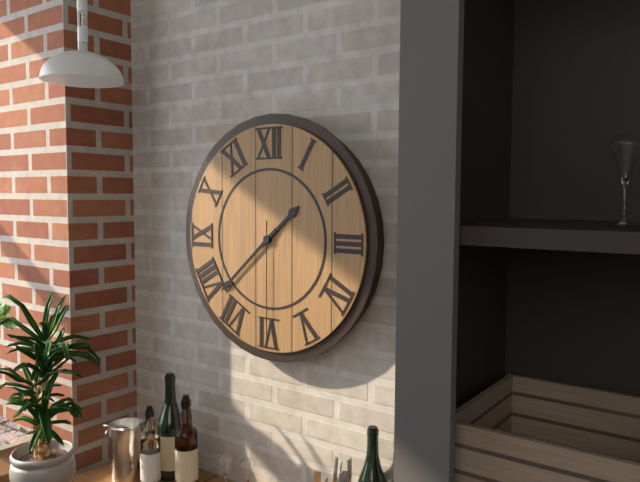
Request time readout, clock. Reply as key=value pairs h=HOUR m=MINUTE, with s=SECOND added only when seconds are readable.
h=1 m=38 s=30
